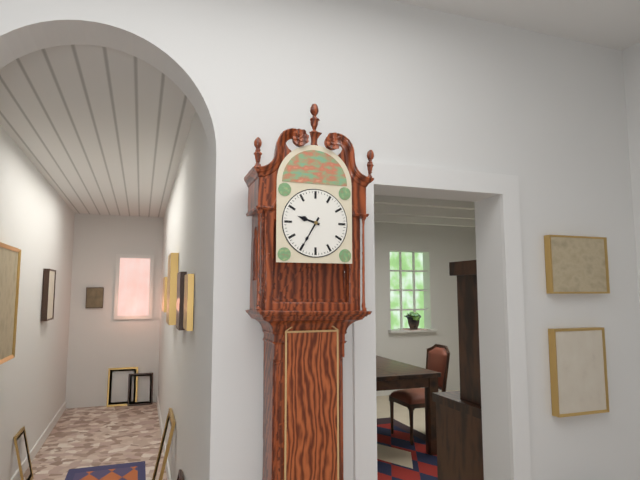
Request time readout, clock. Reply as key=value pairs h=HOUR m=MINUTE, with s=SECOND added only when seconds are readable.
h=9 m=35
